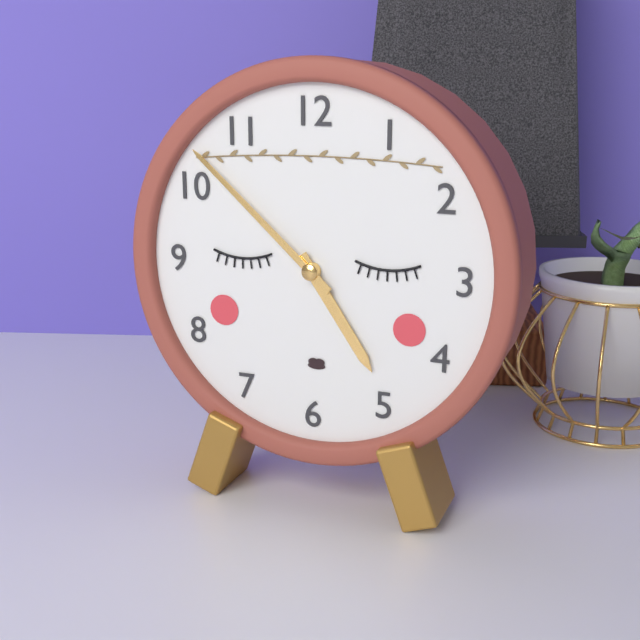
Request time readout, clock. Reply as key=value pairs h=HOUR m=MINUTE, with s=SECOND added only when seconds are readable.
h=4 m=52
